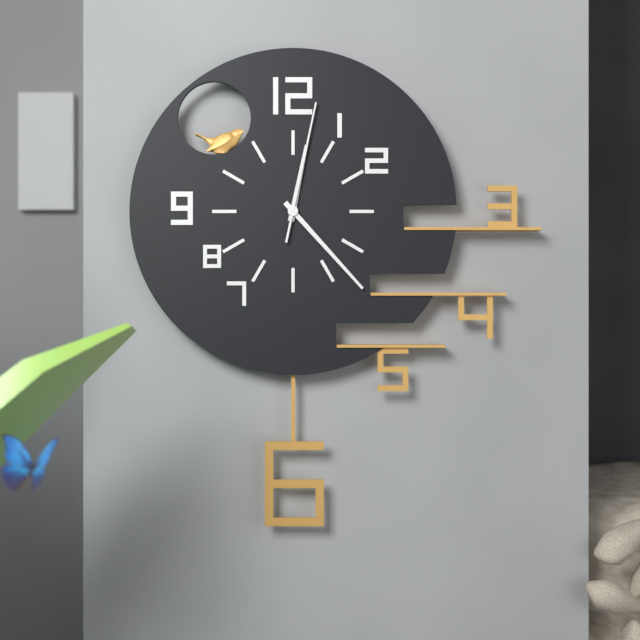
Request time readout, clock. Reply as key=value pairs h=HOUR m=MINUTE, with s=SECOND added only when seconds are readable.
h=12 m=23 s=2
